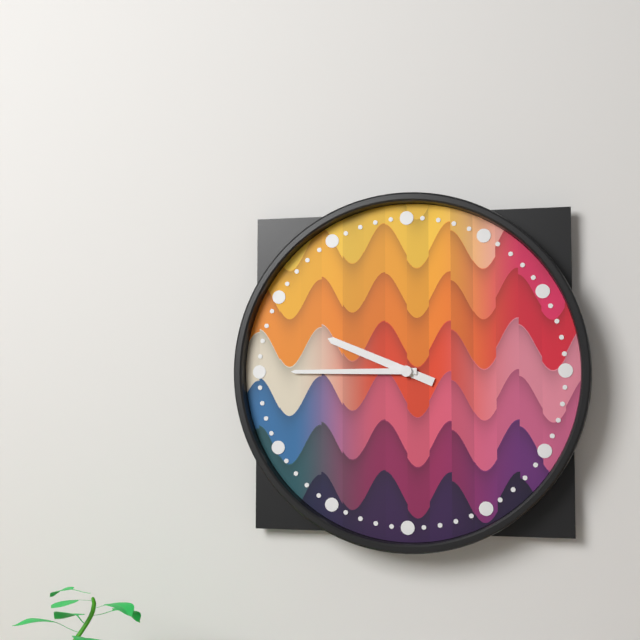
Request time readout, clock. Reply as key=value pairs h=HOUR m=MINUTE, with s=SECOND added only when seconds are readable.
h=9 m=45
